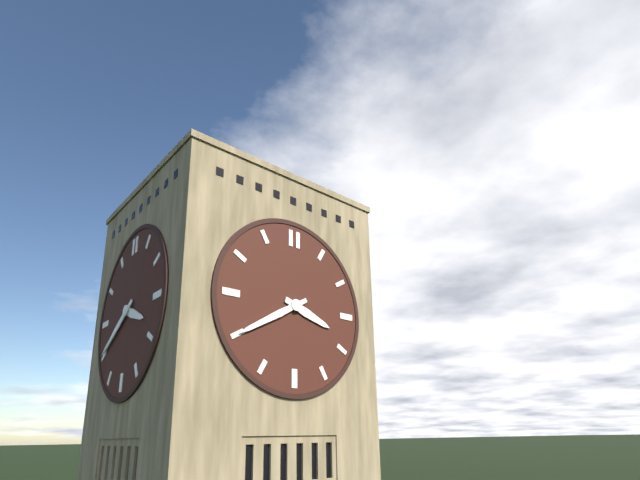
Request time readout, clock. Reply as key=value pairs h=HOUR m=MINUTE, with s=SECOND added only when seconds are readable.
h=3 m=40
